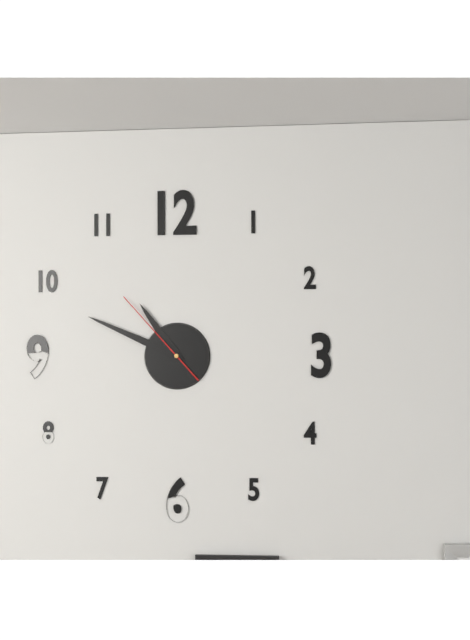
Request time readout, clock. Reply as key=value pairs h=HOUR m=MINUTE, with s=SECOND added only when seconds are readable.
h=10 m=49 s=53
